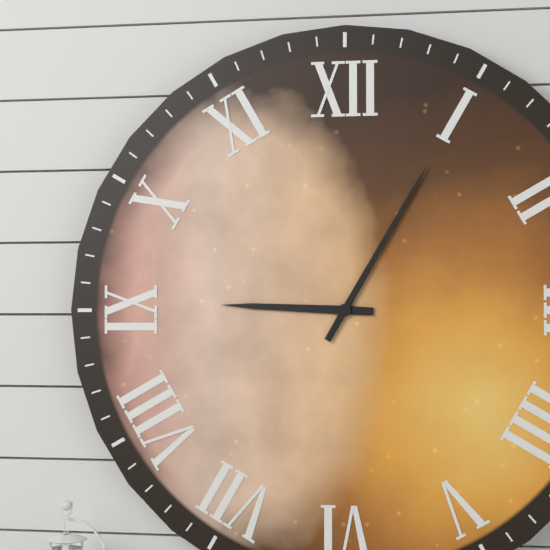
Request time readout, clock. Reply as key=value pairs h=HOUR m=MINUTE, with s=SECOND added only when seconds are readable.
h=9 m=5
